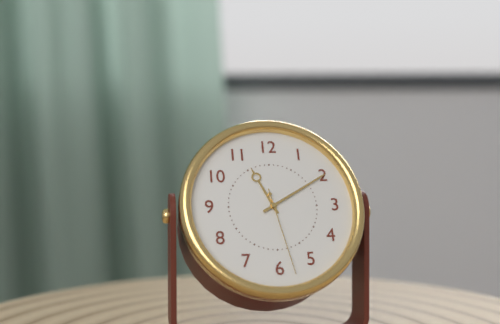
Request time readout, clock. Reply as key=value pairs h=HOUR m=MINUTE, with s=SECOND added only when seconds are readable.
h=11 m=10 s=28
